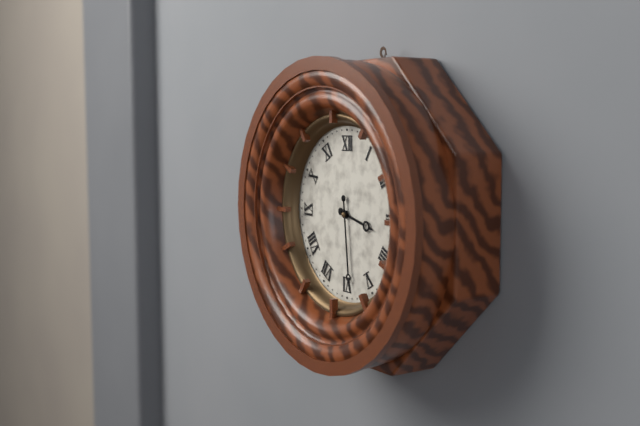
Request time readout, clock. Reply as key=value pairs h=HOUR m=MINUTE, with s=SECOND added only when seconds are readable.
h=3 m=29
